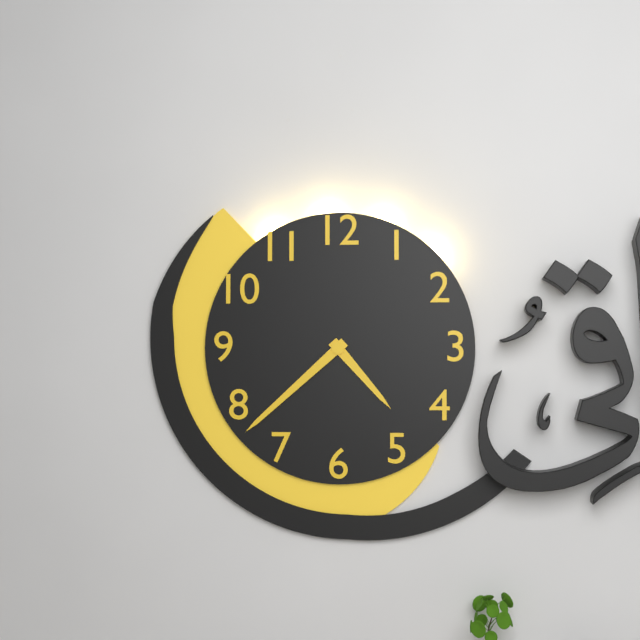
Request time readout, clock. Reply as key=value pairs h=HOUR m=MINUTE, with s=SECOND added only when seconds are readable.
h=4 m=38
